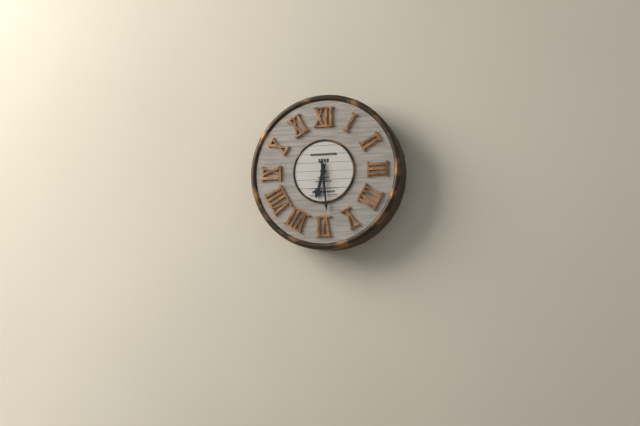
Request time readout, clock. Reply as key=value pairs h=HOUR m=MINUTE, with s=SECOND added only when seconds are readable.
h=6 m=29
